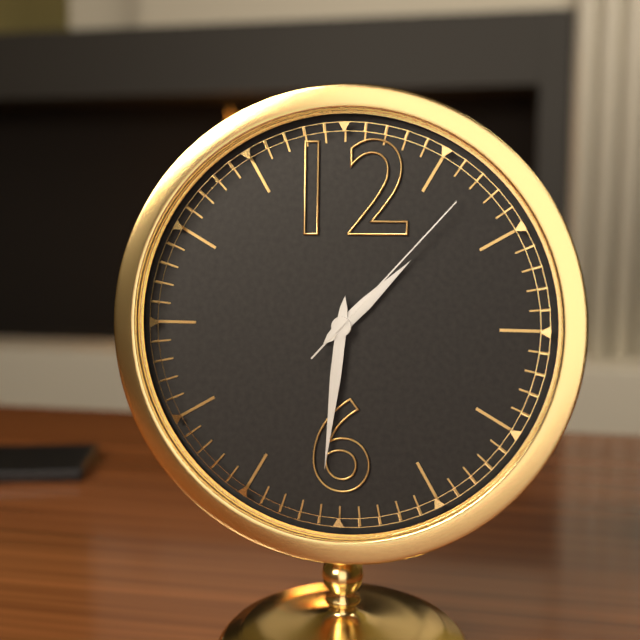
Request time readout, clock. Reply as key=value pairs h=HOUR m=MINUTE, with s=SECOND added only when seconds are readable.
h=1 m=31 s=7
